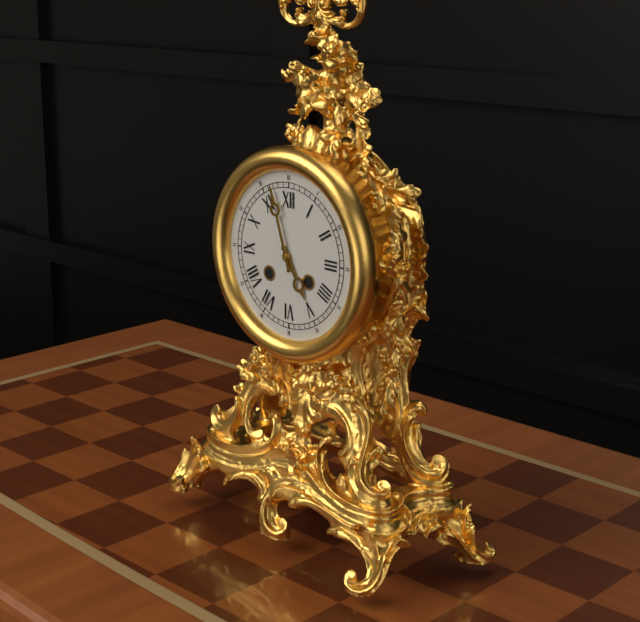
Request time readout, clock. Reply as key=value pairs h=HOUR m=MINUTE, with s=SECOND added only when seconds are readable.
h=4 m=57
